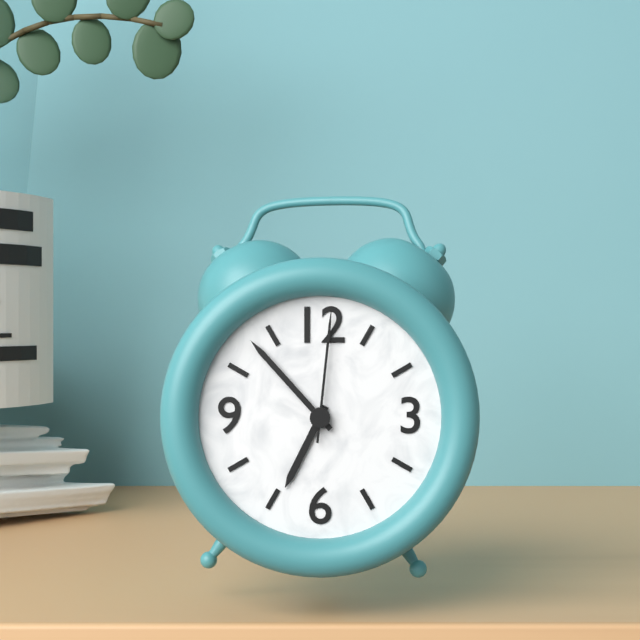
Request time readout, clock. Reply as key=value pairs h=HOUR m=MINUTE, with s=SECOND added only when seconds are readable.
h=6 m=53 s=1
